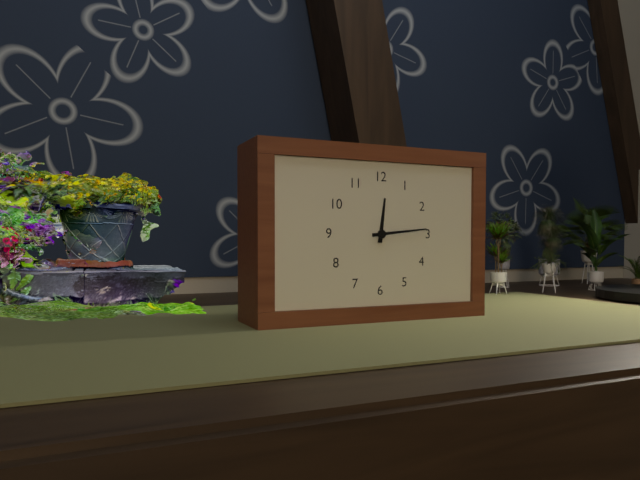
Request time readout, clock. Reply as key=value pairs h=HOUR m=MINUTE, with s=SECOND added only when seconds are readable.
h=12 m=14
